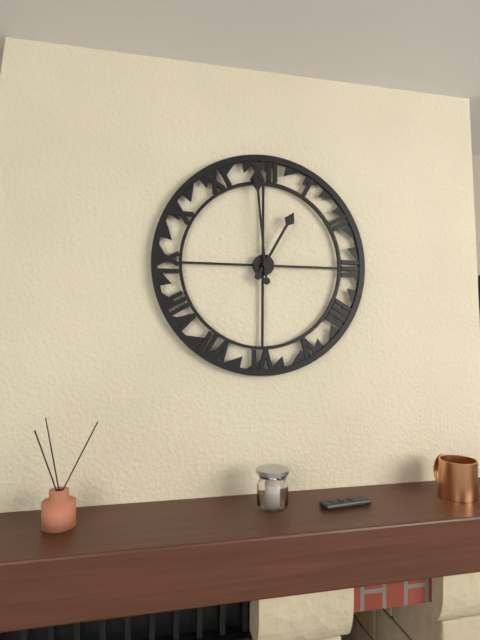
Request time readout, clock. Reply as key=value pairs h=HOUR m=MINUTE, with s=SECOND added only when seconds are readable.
h=12 m=59
